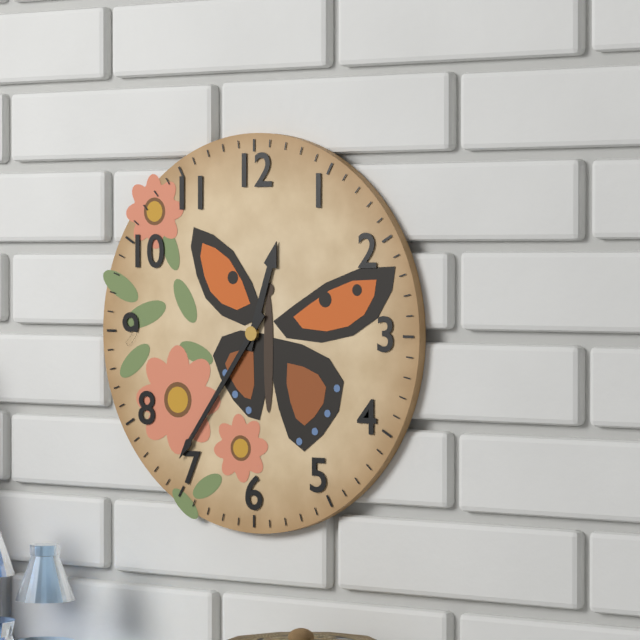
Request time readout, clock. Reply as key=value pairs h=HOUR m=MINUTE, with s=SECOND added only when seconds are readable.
h=12 m=36
